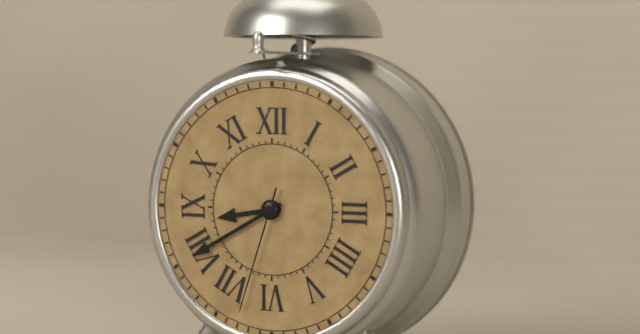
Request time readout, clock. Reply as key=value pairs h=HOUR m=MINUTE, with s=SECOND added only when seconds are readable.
h=8 m=40 s=33
